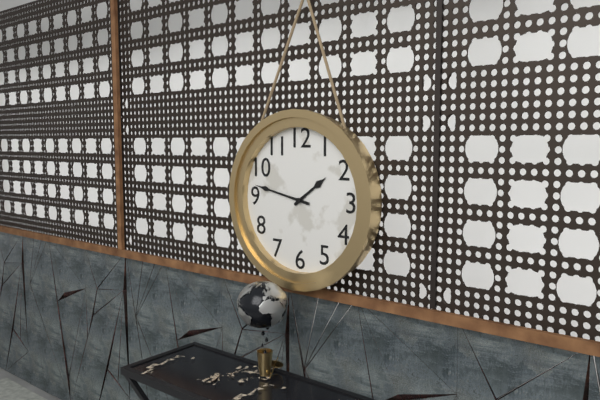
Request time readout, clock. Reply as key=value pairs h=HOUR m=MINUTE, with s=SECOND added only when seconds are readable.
h=1 m=47
